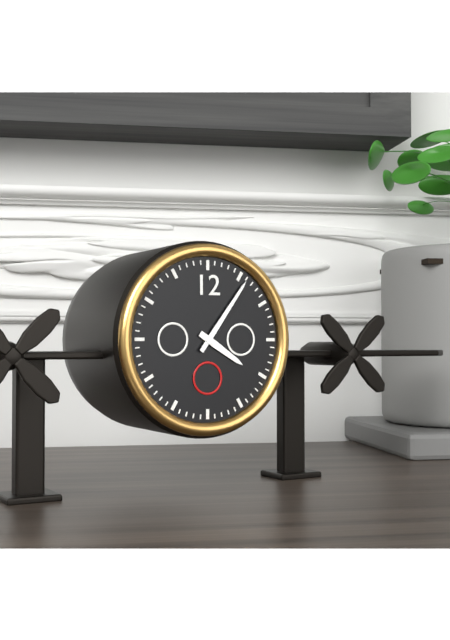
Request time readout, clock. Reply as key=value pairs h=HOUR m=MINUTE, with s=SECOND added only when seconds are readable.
h=4 m=6
